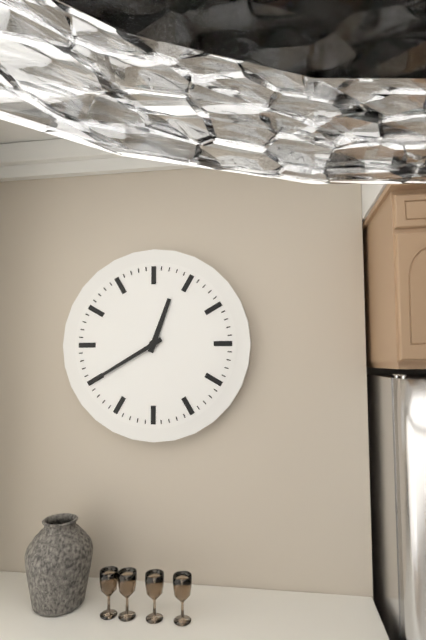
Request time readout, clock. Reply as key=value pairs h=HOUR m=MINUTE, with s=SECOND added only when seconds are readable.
h=12 m=40
